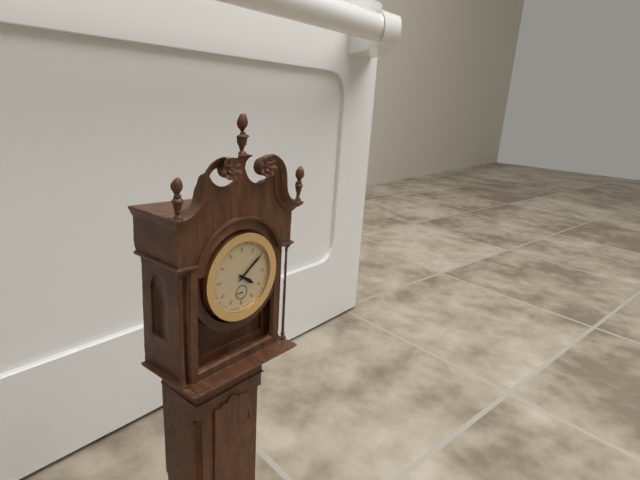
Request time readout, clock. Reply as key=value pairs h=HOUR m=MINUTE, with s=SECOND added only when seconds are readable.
h=4 m=9
